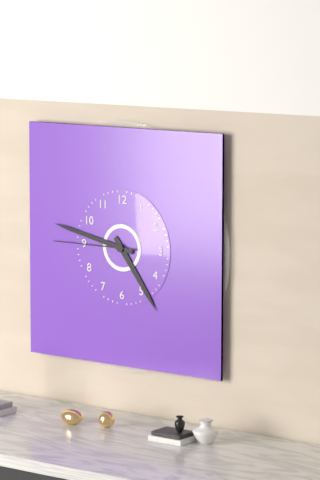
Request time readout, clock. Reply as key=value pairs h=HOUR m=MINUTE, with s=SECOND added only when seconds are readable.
h=4 m=47 s=45
